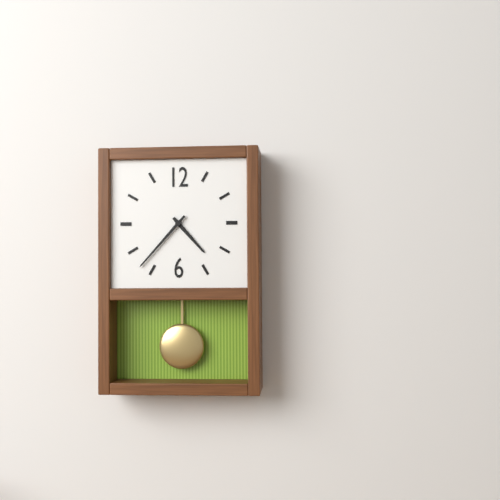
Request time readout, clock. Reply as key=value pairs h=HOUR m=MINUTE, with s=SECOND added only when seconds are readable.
h=4 m=37
